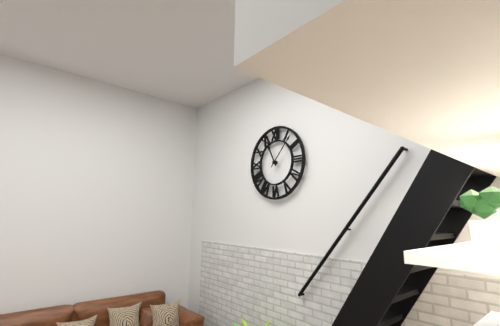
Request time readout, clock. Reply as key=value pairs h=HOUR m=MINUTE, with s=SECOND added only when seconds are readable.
h=11 m=7
